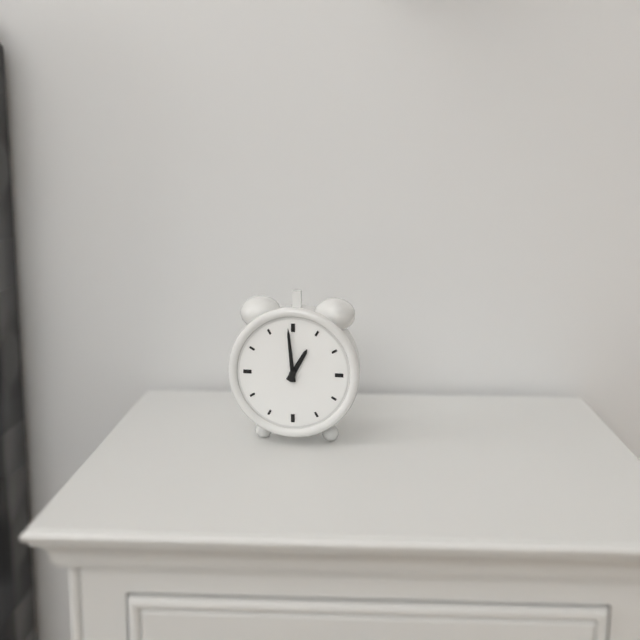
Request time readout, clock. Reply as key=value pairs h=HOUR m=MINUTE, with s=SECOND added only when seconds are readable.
h=12 m=59
